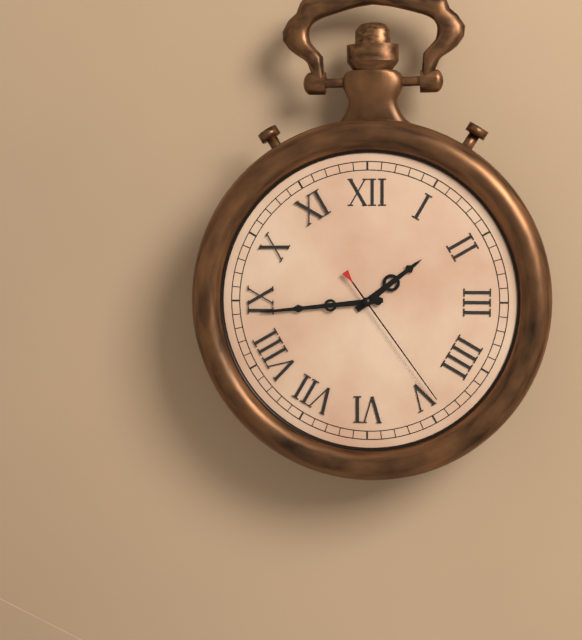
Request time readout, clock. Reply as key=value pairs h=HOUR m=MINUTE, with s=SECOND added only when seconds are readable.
h=1 m=44 s=24
